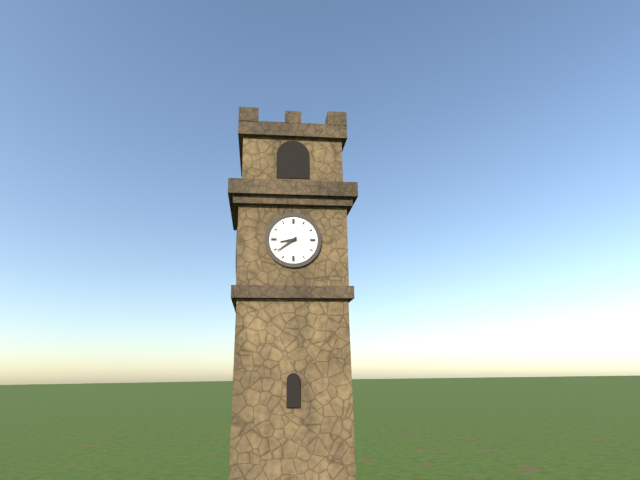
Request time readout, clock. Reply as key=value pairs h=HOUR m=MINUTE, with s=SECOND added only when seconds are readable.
h=8 m=39
